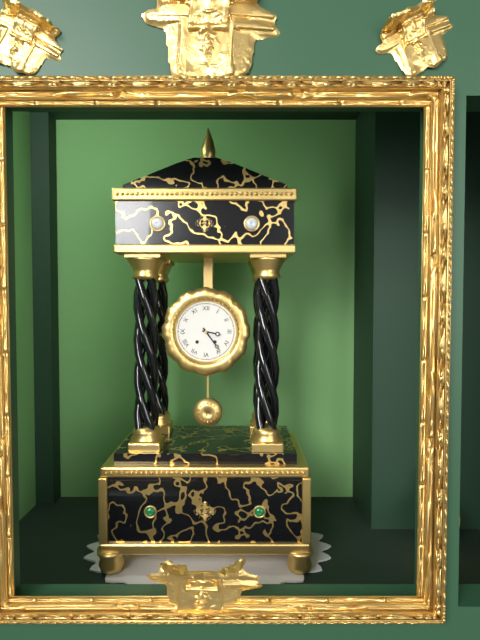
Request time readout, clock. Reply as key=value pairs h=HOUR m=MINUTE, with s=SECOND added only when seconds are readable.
h=3 m=24
